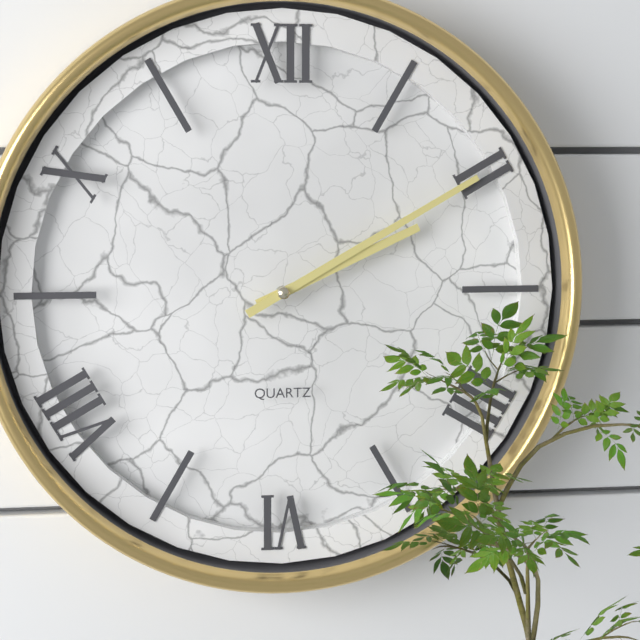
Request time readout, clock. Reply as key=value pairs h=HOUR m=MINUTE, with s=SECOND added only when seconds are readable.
h=2 m=10
